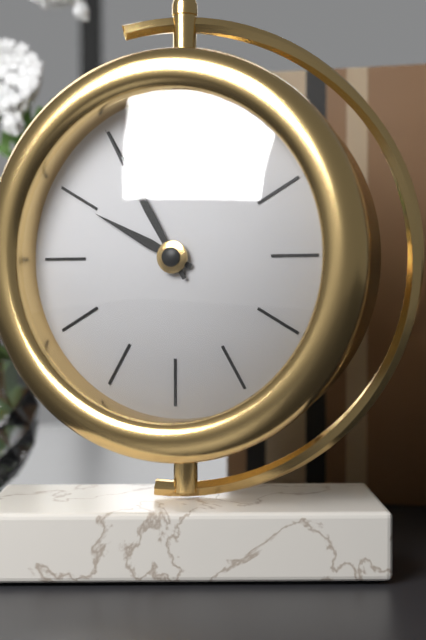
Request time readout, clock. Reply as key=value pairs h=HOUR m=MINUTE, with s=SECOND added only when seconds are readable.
h=9 m=55
